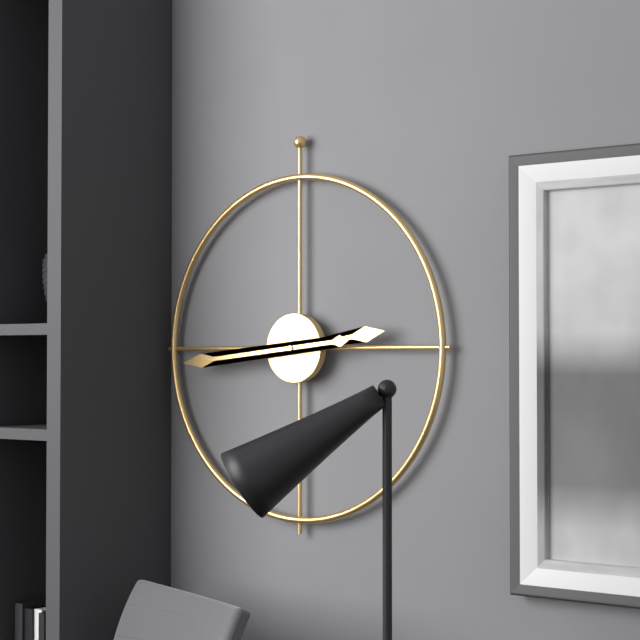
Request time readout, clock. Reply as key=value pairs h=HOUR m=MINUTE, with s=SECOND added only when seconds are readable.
h=2 m=44
